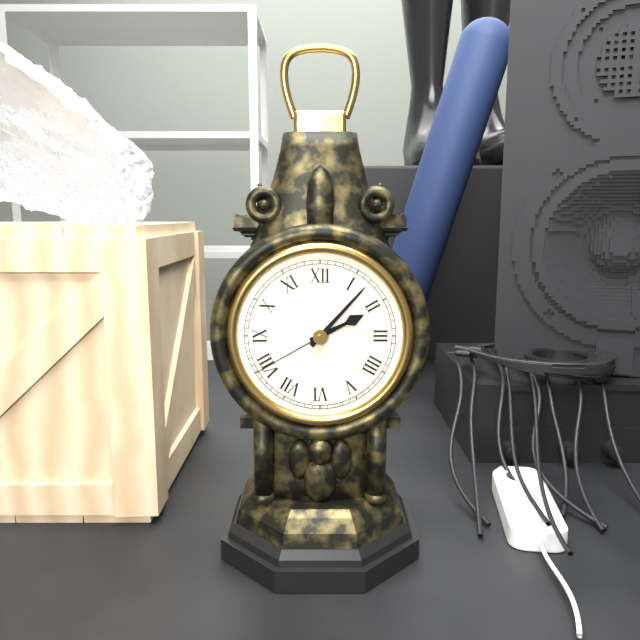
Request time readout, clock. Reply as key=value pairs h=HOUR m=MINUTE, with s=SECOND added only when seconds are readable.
h=2 m=7 s=40
